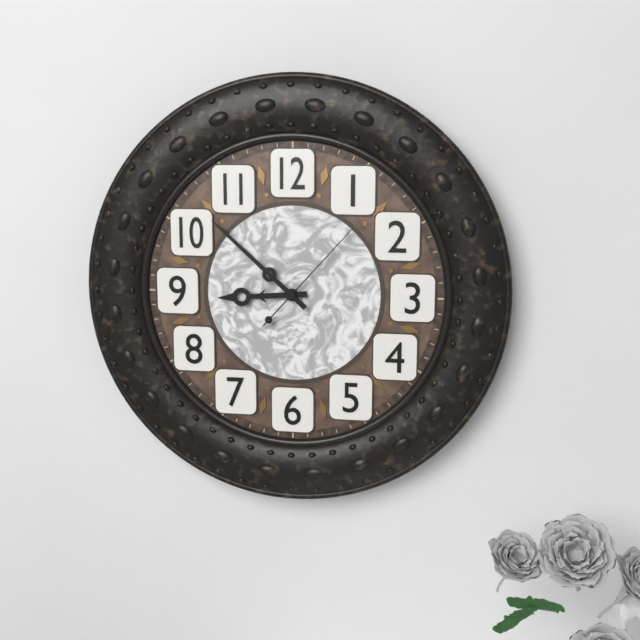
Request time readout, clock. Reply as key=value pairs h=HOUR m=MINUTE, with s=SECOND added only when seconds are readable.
h=8 m=52 s=7
